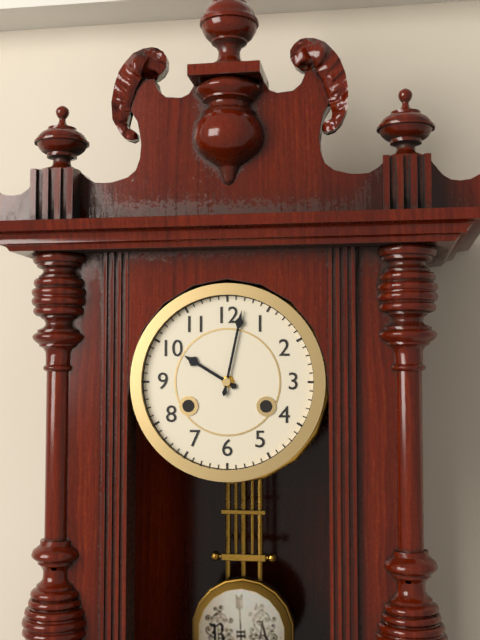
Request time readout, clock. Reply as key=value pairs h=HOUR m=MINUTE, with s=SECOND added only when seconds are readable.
h=10 m=2
